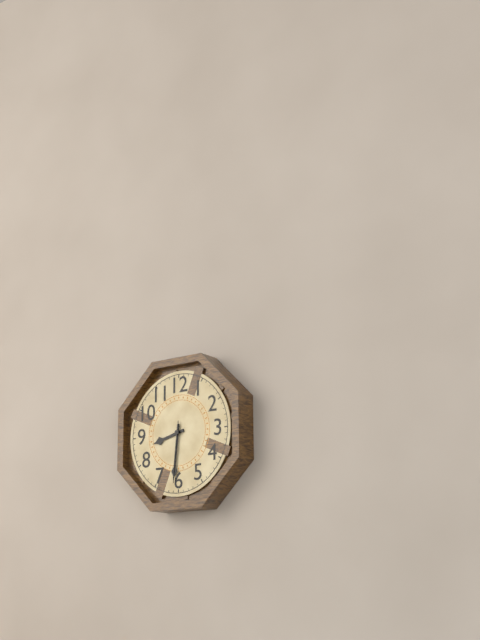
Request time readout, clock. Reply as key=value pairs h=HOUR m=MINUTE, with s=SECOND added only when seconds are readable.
h=8 m=31 s=31
